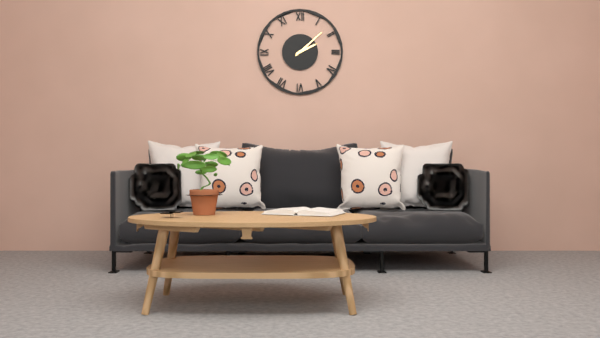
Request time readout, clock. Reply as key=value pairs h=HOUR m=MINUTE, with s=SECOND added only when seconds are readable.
h=2 m=8
